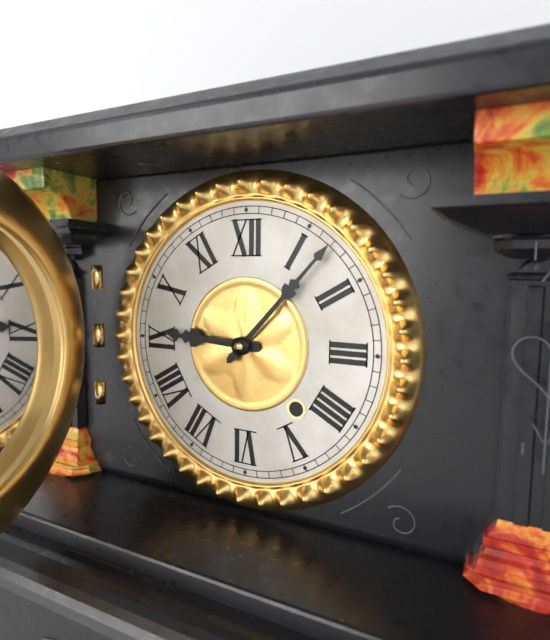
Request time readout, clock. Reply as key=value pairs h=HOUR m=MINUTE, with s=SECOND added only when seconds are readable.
h=9 m=7
